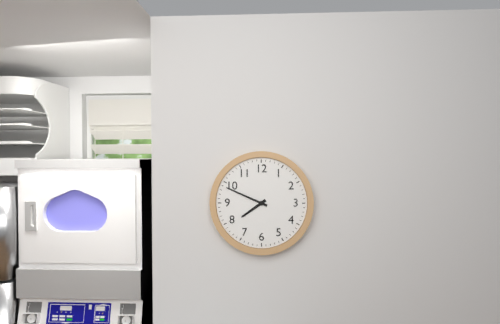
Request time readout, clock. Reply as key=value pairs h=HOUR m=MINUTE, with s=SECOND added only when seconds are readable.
h=7 m=49
